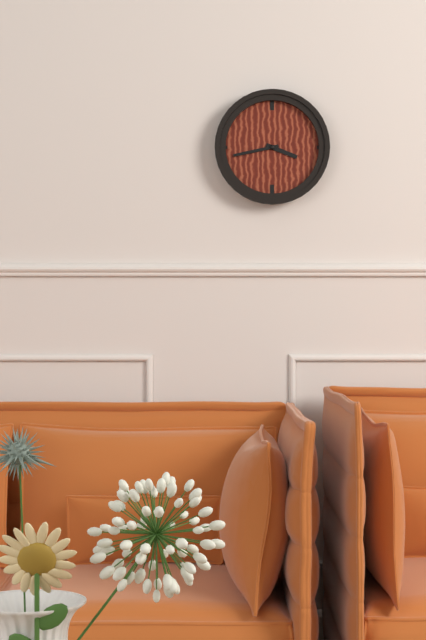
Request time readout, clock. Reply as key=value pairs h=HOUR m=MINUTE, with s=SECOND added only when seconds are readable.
h=3 m=43
